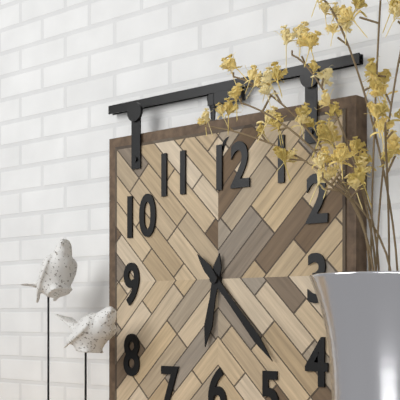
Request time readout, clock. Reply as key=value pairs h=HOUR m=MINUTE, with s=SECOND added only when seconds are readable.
h=6 m=23
